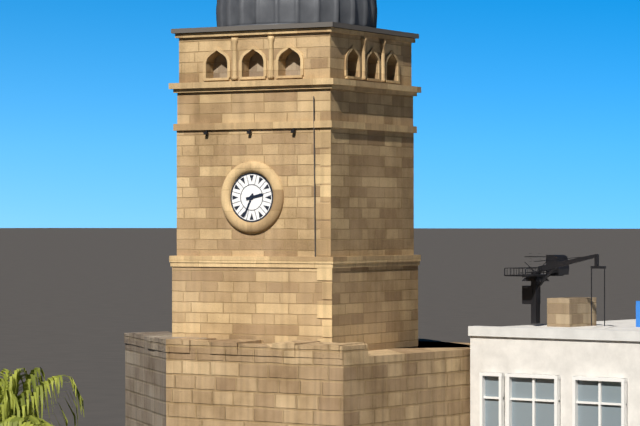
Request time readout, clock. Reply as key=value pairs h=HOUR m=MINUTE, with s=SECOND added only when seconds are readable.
h=2 m=34
